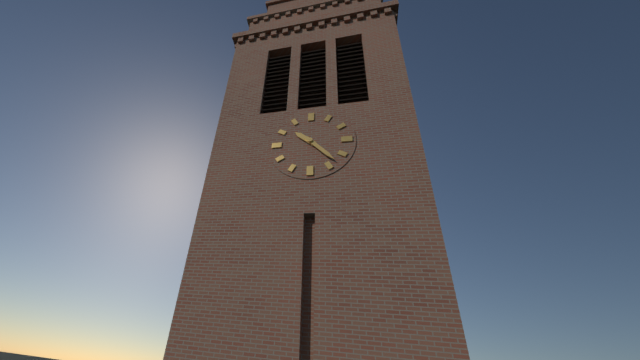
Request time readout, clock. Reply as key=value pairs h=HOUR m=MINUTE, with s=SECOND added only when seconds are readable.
h=10 m=23
